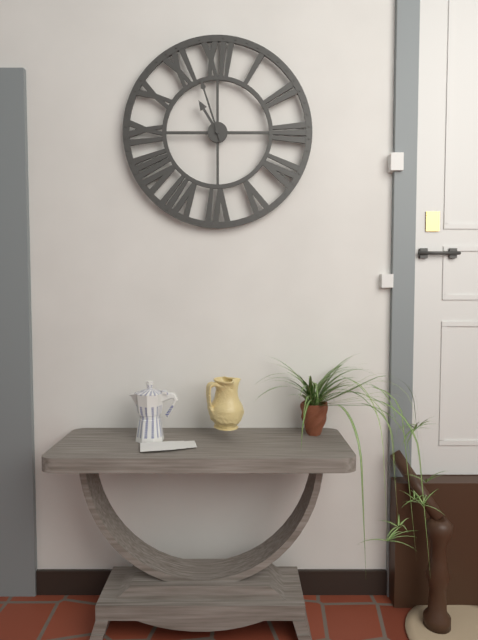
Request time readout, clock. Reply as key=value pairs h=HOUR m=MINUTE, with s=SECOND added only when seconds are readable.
h=10 m=57
